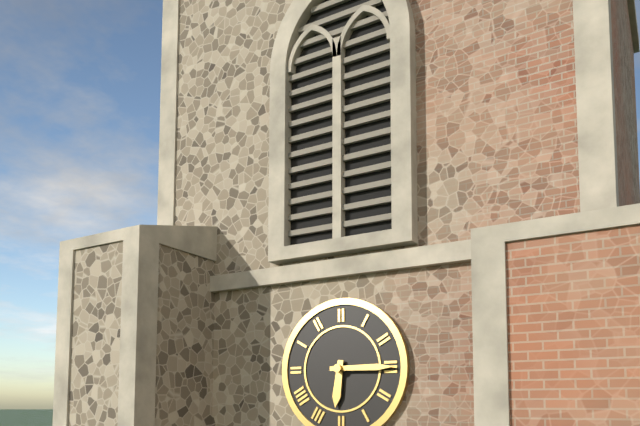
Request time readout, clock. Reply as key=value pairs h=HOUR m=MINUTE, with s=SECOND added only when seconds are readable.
h=6 m=15
